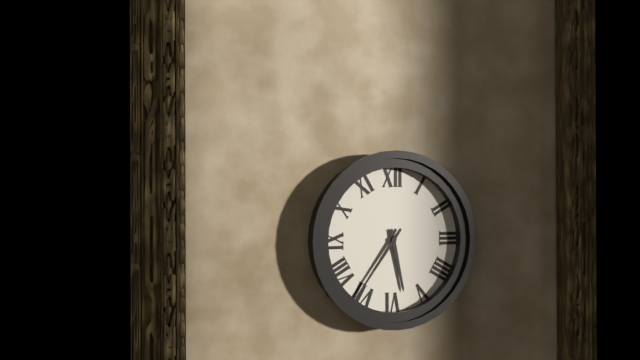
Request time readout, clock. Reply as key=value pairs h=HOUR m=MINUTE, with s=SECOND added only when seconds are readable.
h=5 m=36
